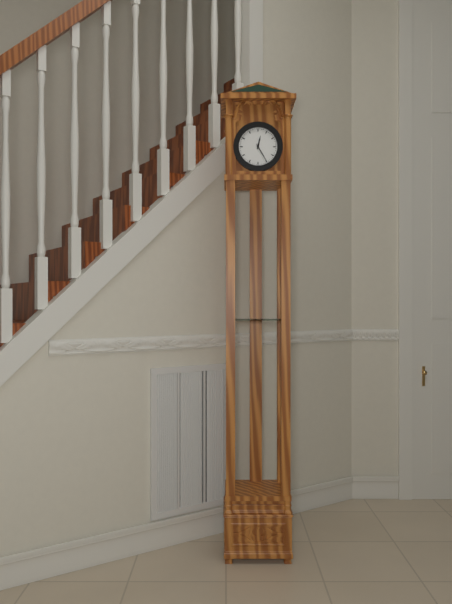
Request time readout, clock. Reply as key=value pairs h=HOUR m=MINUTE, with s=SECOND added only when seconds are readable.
h=12 m=25
